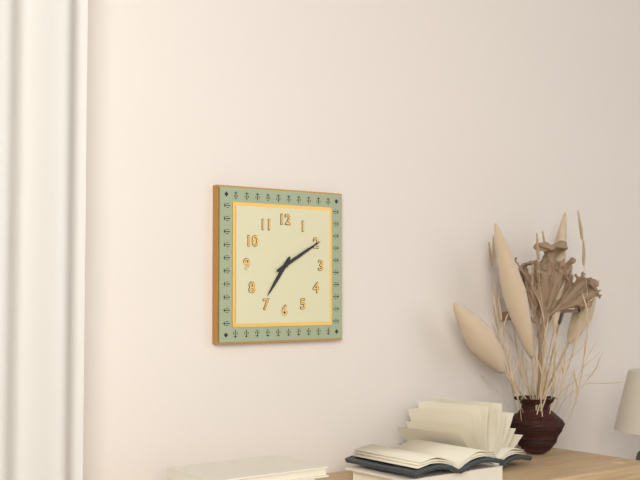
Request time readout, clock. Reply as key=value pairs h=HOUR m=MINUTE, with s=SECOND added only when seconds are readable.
h=7 m=10
